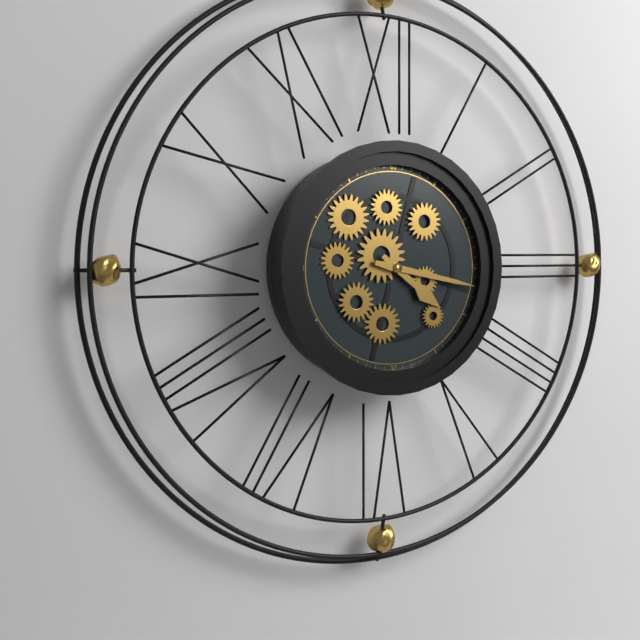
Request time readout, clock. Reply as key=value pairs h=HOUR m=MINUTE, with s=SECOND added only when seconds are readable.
h=4 m=17
